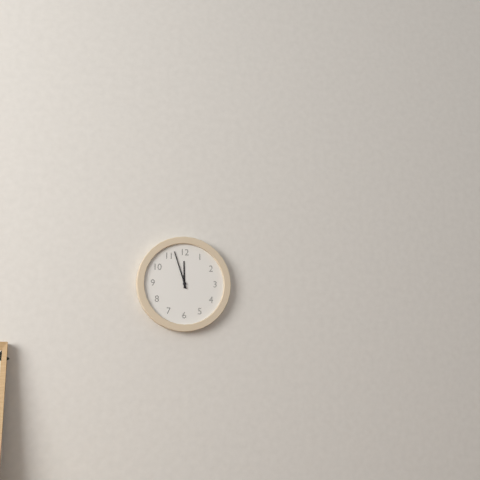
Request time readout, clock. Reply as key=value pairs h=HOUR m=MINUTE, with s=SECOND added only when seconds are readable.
h=11 m=57
